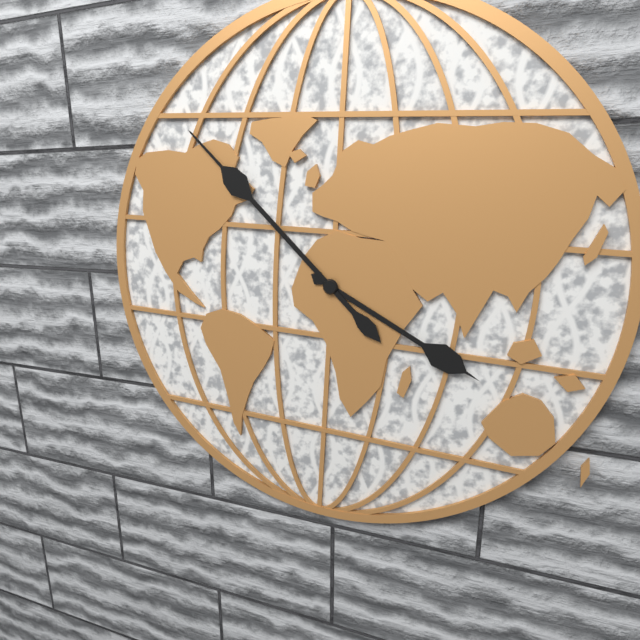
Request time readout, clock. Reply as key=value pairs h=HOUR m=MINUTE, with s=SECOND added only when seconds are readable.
h=3 m=52
